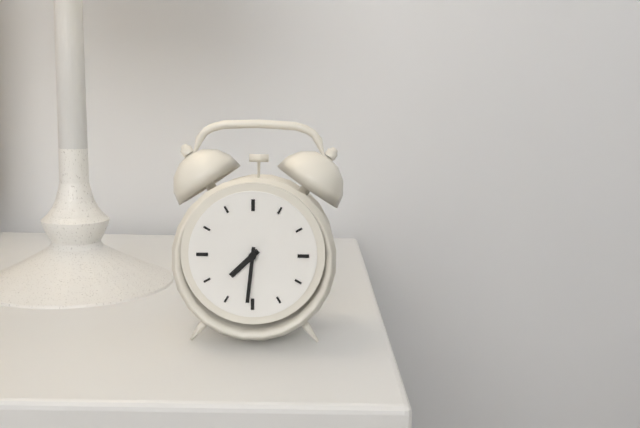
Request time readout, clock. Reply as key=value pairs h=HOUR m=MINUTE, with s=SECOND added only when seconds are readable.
h=7 m=31
